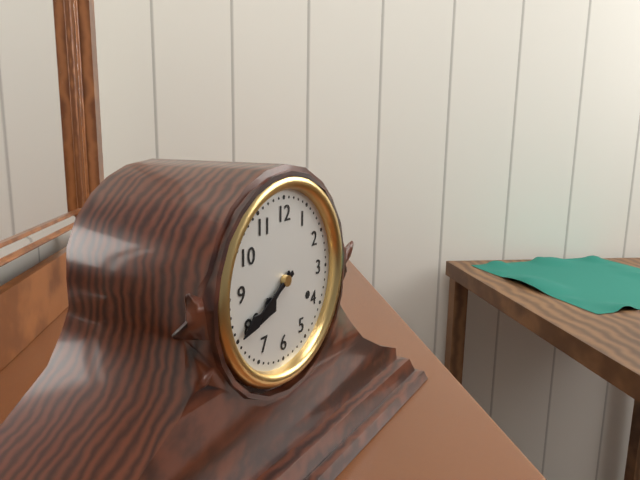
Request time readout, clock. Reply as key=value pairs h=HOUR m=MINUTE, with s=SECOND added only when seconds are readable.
h=7 m=40
